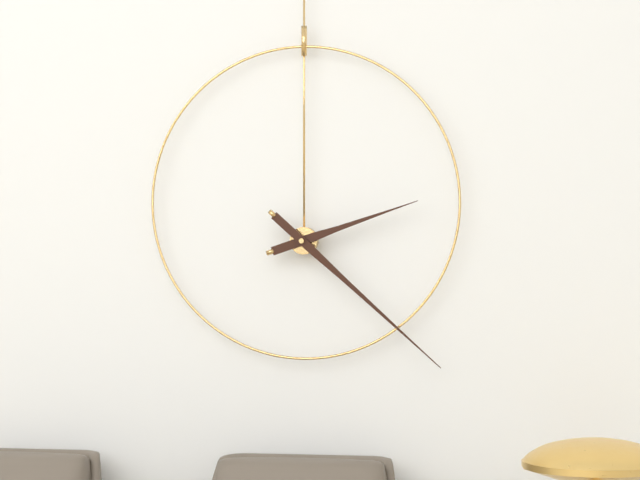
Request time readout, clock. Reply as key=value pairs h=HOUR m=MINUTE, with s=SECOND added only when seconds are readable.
h=2 m=22
